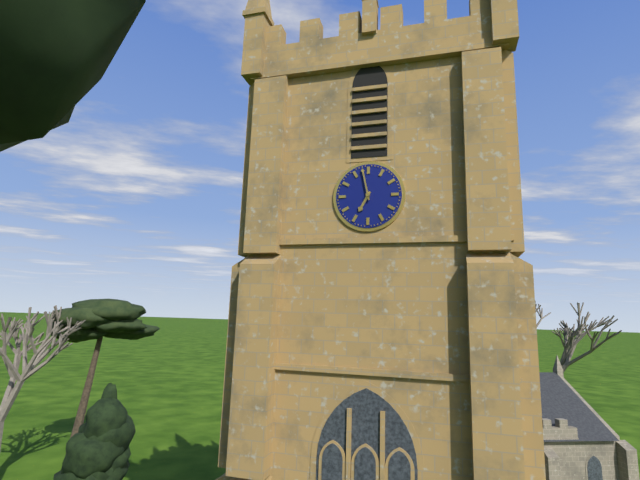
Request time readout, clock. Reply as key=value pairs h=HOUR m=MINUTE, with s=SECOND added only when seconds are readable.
h=6 m=58
